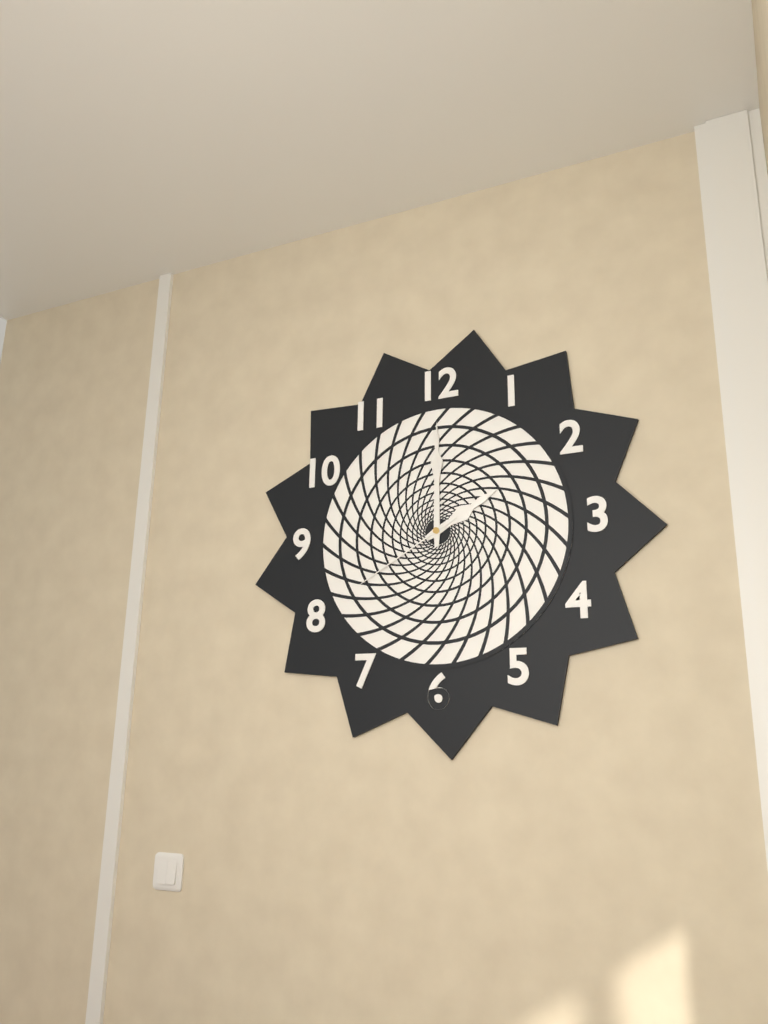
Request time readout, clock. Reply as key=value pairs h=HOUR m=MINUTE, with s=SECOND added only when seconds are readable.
h=2 m=0 s=40
